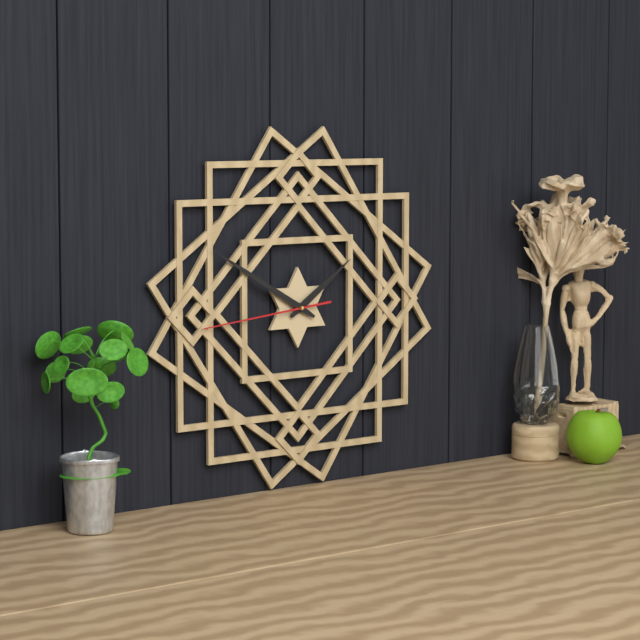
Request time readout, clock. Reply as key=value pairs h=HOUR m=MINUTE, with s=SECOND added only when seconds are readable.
h=1 m=50 s=44
